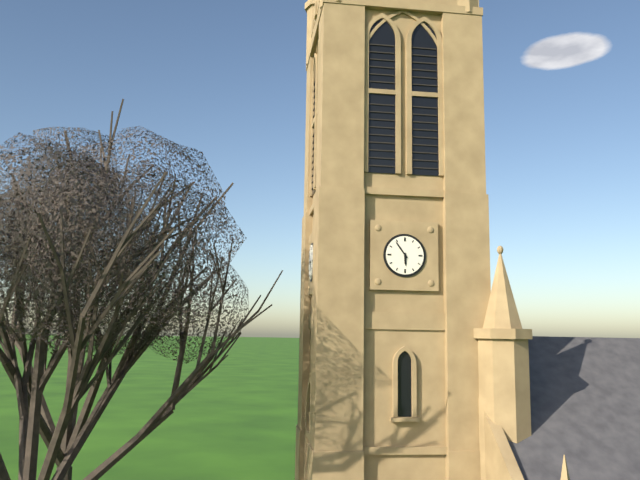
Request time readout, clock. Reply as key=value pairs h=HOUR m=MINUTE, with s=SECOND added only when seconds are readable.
h=5 m=54
